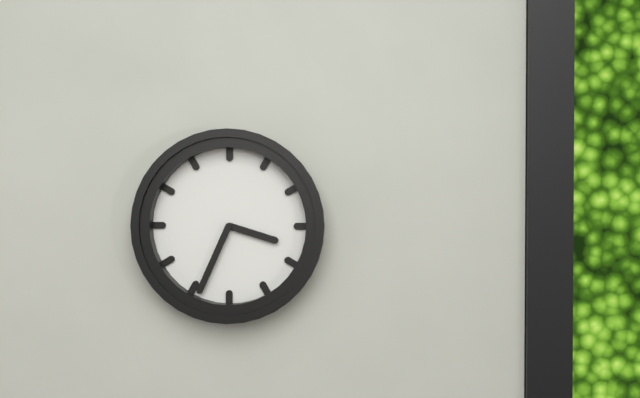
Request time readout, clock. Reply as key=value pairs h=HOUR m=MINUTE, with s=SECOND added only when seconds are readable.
h=3 m=34
